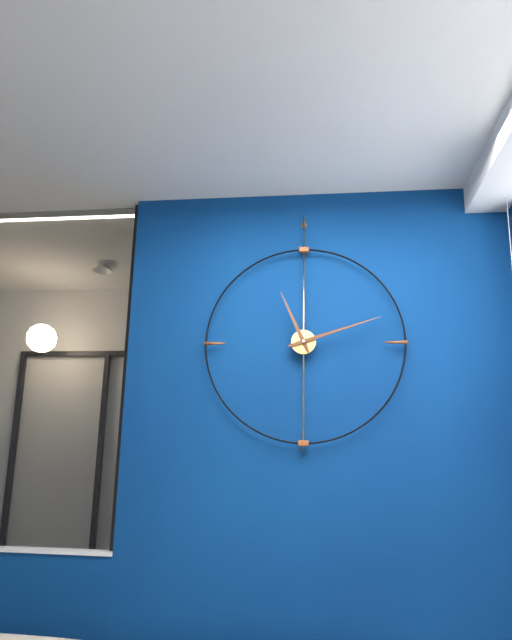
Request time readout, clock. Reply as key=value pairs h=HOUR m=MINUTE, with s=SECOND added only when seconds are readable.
h=11 m=12
